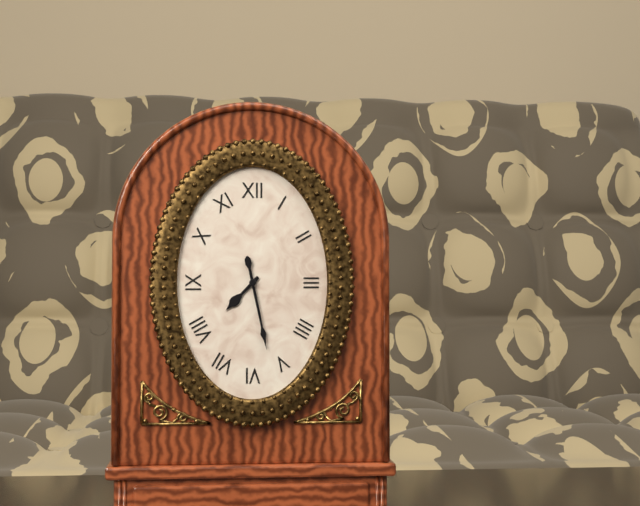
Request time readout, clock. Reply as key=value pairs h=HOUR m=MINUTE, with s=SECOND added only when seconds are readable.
h=7 m=28
